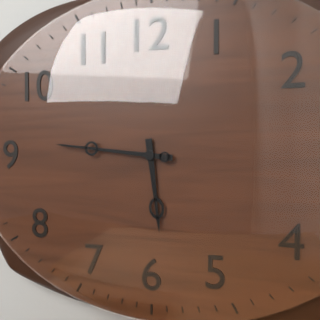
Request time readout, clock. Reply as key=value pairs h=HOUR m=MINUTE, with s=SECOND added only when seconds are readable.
h=5 m=46
